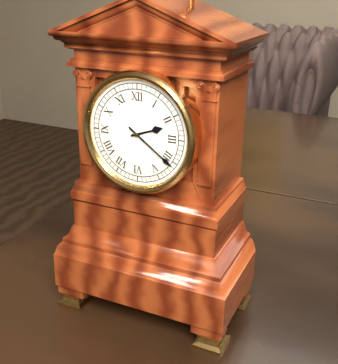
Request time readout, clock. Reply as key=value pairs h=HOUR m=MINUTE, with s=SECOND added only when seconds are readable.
h=2 m=21
